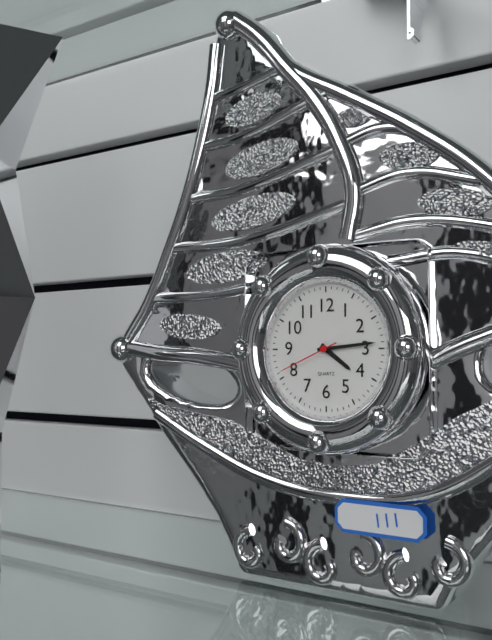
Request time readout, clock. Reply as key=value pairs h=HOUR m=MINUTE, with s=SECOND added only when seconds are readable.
h=4 m=14 s=41
